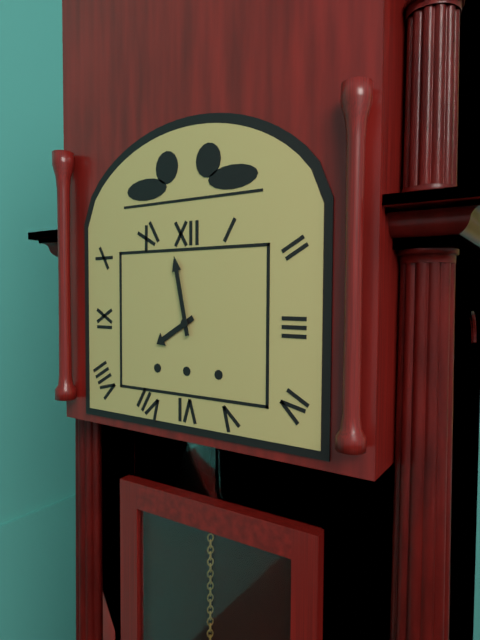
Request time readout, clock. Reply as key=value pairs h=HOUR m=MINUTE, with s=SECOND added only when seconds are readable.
h=7 m=58
